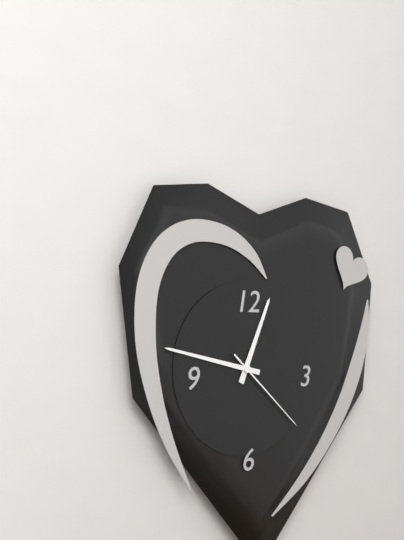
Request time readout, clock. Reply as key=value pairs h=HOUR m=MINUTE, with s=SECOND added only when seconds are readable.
h=12 m=47 s=22
